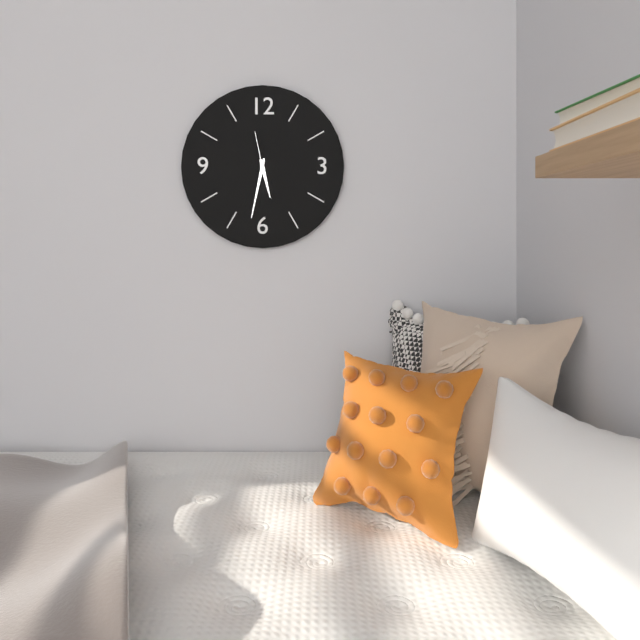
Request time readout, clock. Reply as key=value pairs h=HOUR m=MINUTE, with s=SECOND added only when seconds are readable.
h=5 m=32
